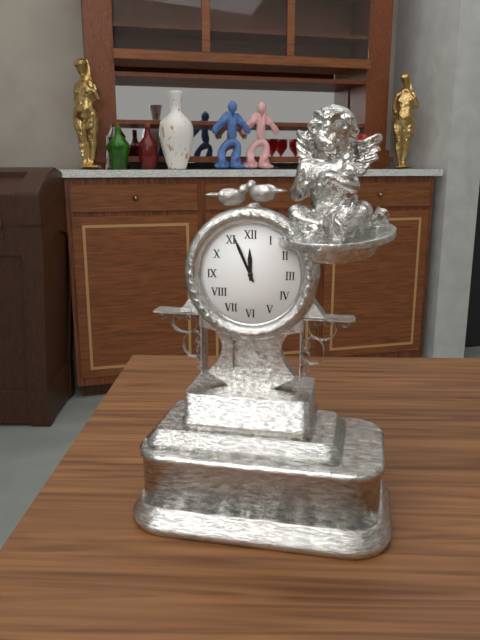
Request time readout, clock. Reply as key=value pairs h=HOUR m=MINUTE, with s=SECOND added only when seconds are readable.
h=11 m=56
